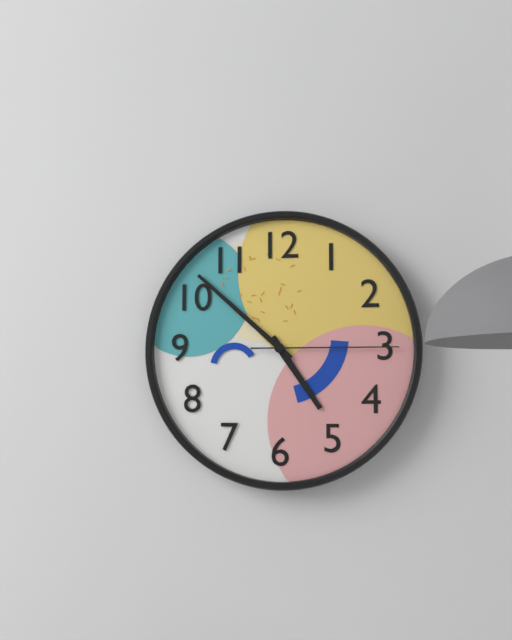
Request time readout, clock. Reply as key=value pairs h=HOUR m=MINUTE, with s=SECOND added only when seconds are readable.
h=4 m=52 s=15
